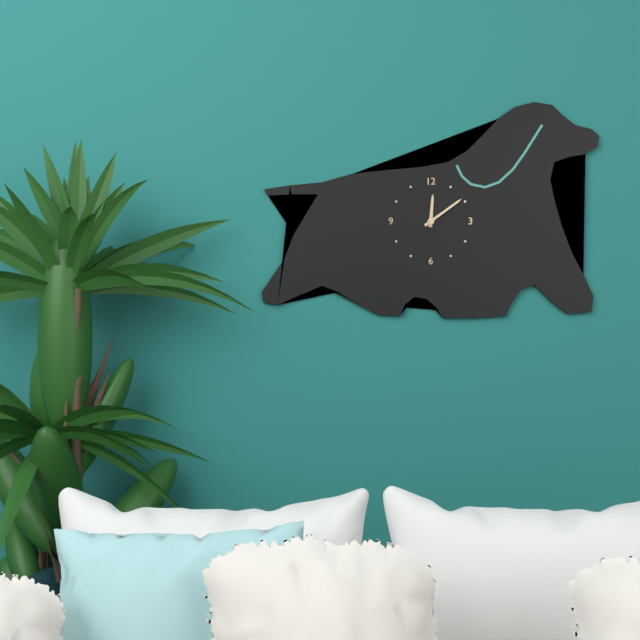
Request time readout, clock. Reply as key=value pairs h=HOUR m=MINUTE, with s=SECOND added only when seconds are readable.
h=12 m=9
